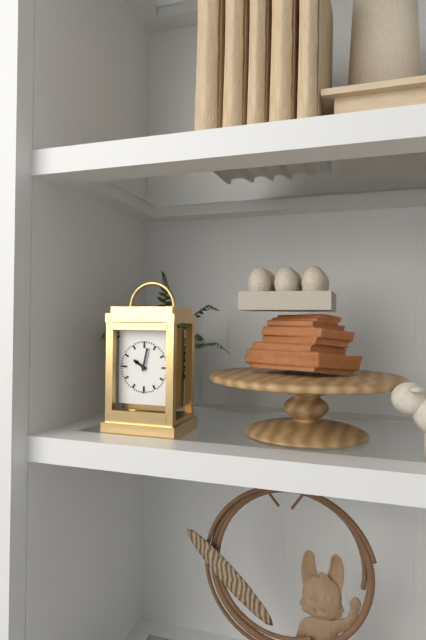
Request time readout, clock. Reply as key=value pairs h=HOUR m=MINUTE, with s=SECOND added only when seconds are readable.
h=10 m=2
